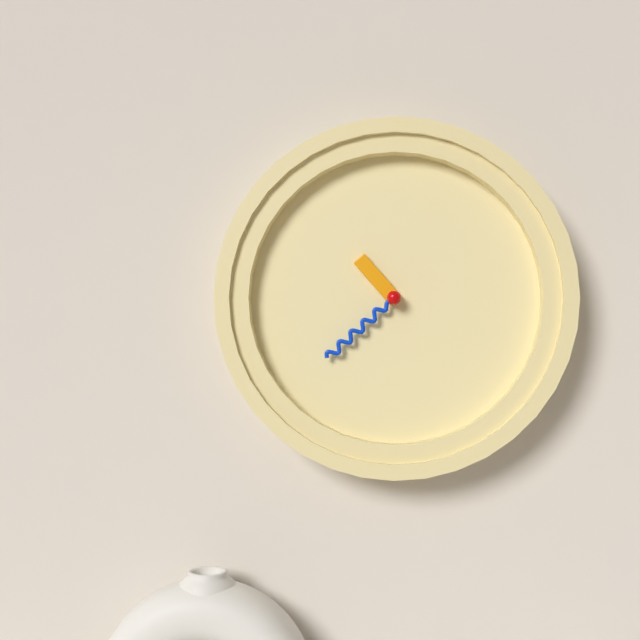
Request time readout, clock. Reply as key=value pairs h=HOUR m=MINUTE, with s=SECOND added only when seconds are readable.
h=10 m=38
